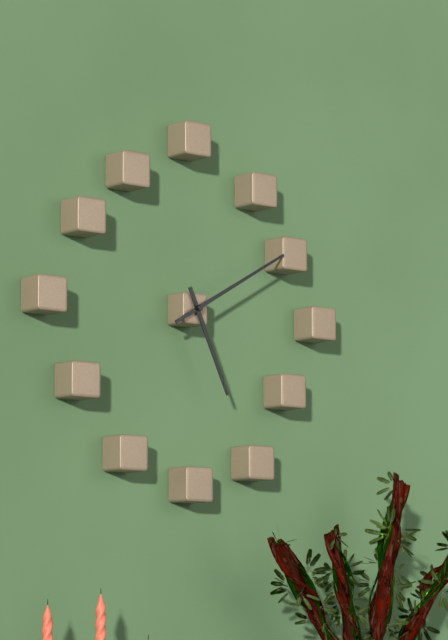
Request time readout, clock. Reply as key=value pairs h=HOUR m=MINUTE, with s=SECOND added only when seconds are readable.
h=5 m=10
